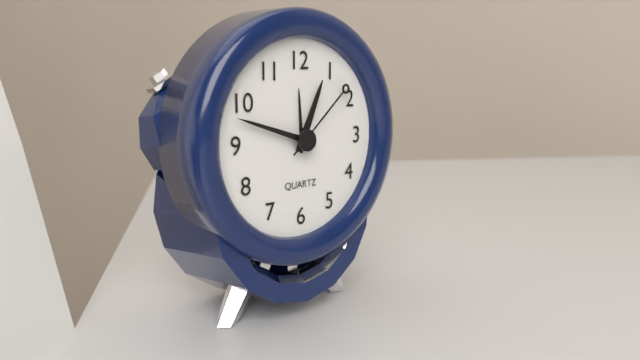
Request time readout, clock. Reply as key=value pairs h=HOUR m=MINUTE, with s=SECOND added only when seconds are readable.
h=12 m=48 s=8
